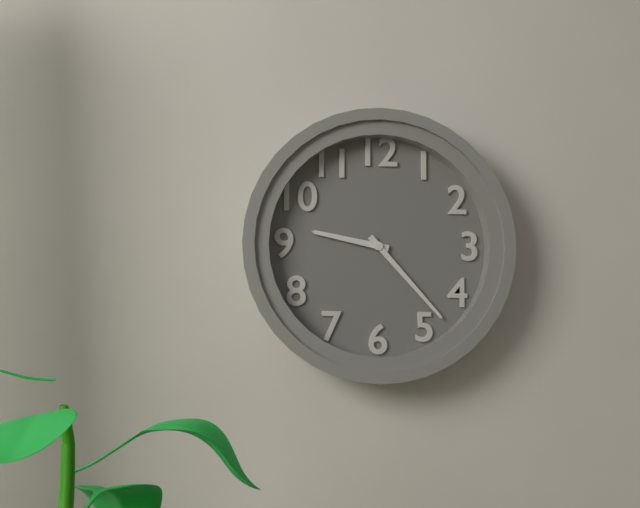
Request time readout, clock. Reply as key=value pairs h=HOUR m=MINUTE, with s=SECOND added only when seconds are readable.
h=9 m=23
